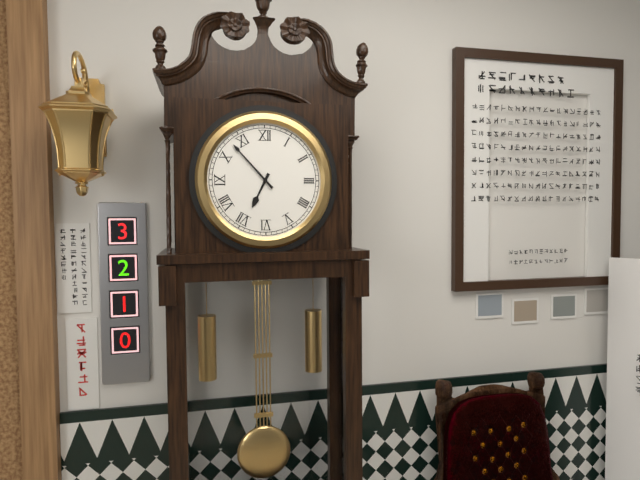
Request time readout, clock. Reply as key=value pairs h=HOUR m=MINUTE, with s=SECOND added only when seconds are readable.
h=6 m=53
